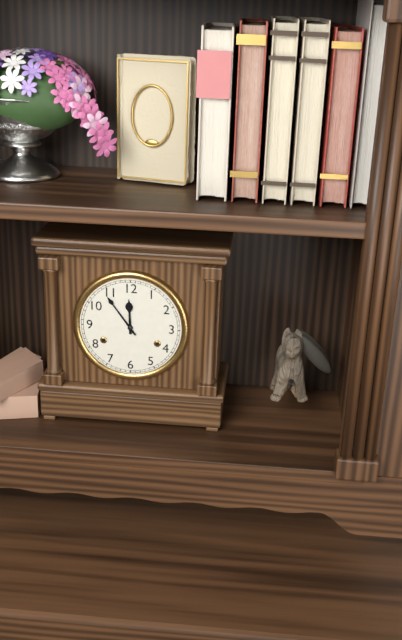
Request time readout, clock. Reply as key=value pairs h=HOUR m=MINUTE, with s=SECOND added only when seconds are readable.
h=11 m=54
